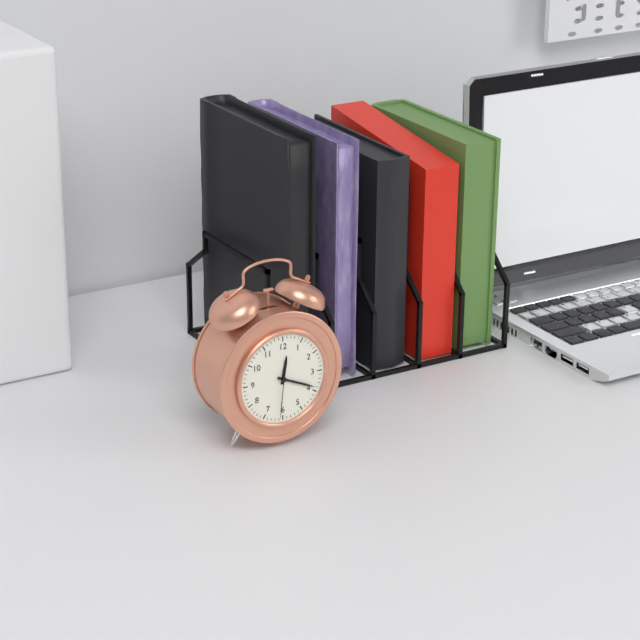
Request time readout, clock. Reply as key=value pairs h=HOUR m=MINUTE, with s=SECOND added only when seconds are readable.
h=12 m=19
